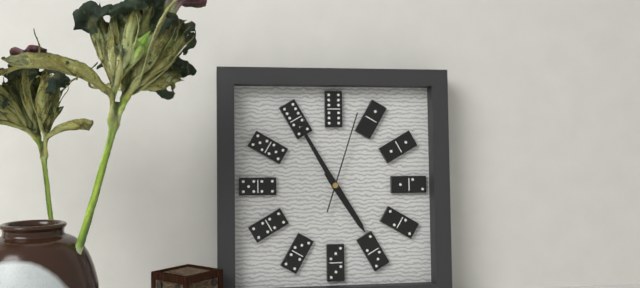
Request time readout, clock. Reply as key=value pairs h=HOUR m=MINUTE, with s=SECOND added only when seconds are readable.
h=4 m=55 s=3
